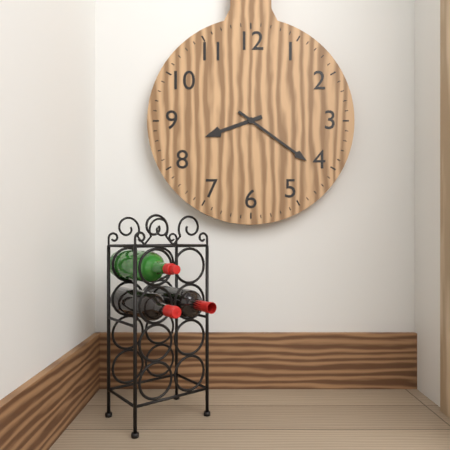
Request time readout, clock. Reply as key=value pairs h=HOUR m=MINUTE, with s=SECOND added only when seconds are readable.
h=8 m=21
